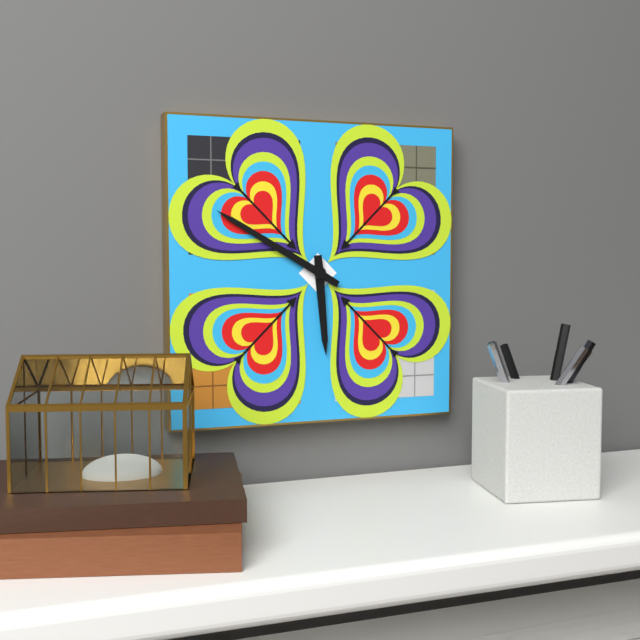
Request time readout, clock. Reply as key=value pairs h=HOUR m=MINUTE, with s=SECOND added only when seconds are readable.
h=5 m=50
